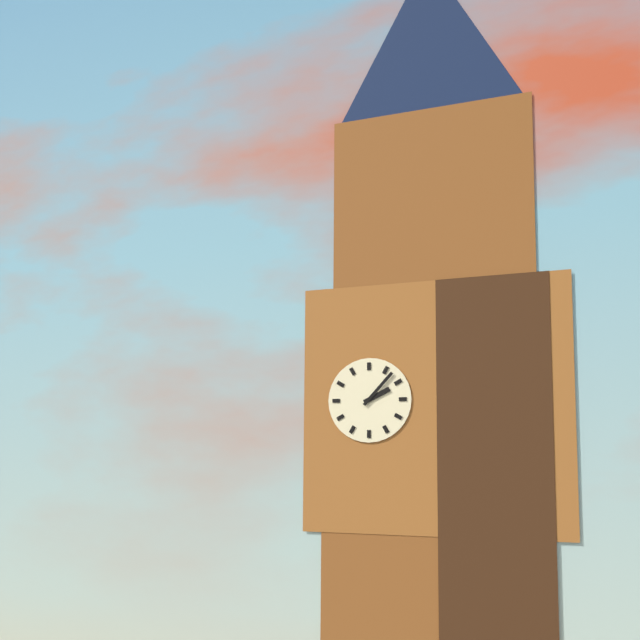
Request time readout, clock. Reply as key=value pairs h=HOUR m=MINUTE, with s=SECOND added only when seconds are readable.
h=2 m=7
